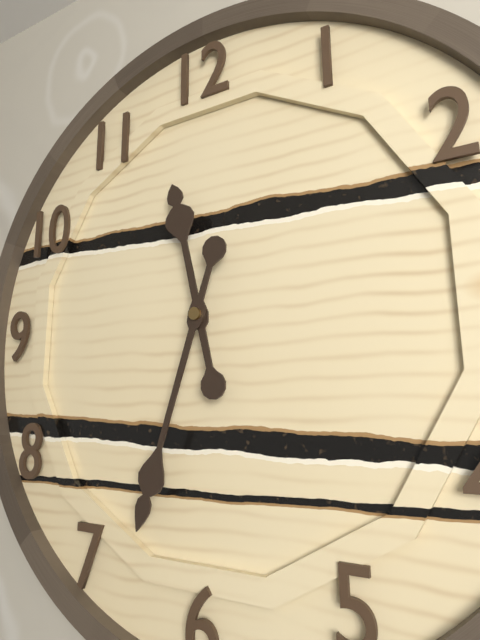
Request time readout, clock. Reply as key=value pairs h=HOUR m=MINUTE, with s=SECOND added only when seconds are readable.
h=11 m=33
